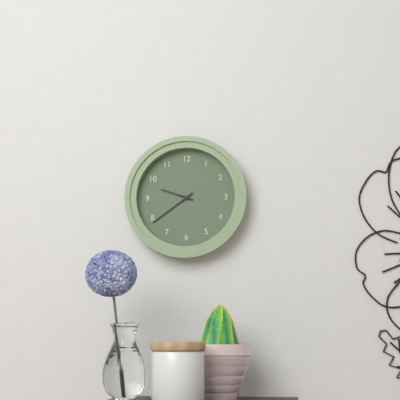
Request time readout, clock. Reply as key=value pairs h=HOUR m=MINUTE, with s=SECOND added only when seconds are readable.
h=9 m=39
